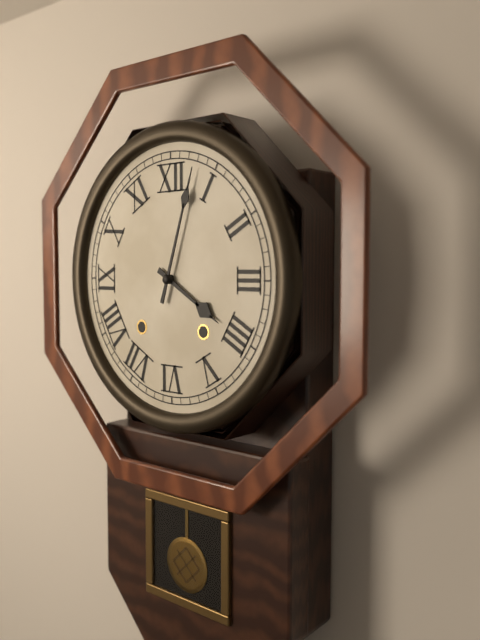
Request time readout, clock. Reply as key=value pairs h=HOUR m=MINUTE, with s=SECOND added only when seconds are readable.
h=4 m=3
